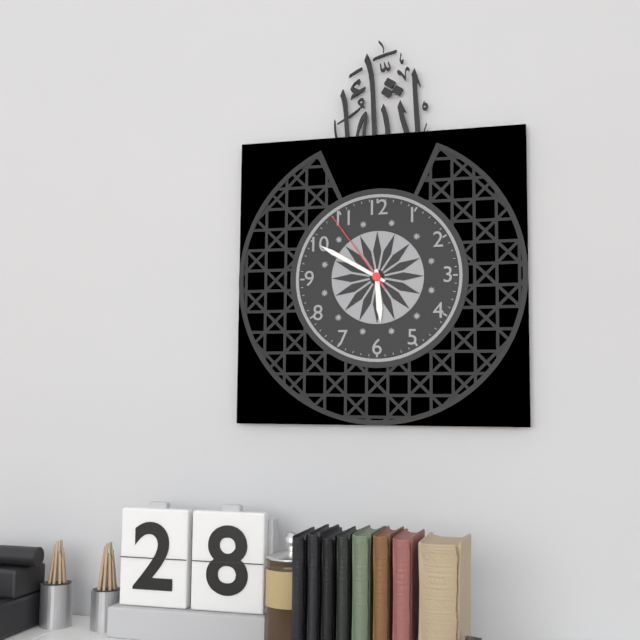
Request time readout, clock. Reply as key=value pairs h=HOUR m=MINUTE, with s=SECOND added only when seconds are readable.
h=5 m=50 s=54
